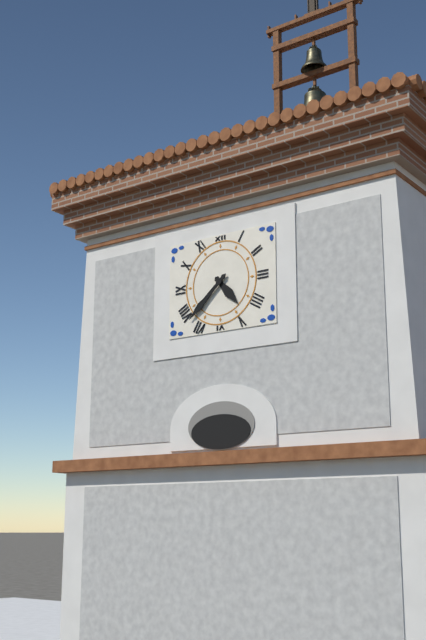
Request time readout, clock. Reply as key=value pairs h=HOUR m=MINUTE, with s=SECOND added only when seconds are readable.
h=4 m=38
